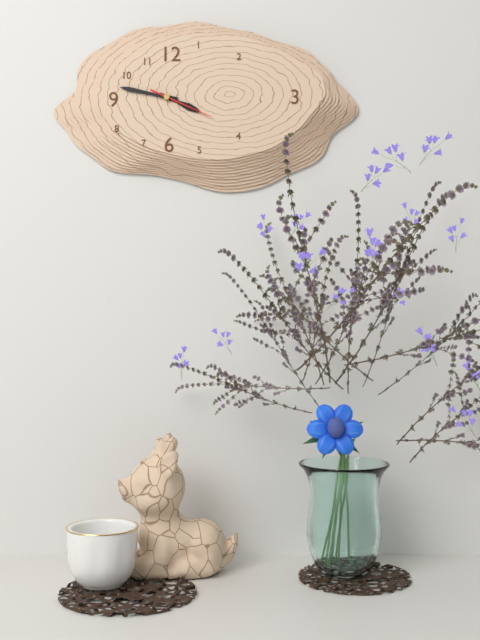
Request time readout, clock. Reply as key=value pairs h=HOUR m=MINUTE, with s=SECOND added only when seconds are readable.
h=3 m=47 s=19
